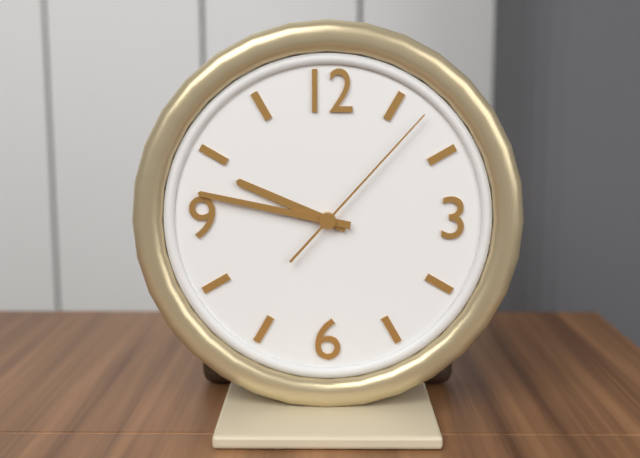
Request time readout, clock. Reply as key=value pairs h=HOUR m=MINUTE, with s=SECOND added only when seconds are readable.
h=9 m=47 s=7
